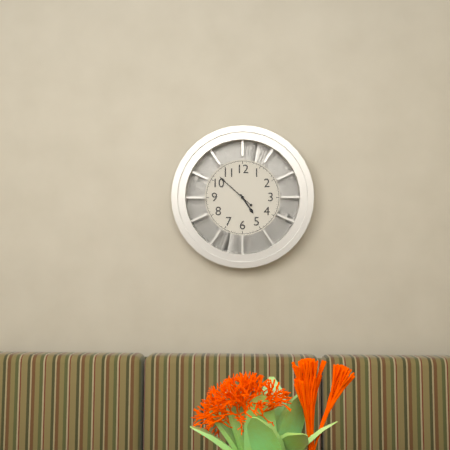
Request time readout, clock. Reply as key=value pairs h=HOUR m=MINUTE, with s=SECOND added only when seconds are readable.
h=4 m=52
